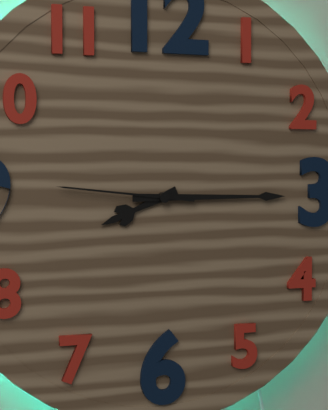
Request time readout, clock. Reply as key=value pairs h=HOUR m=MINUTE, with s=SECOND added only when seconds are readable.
h=8 m=15 s=46
